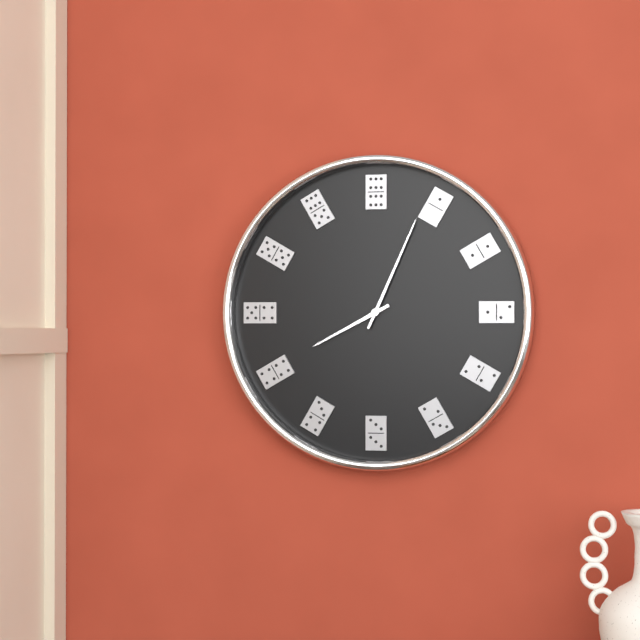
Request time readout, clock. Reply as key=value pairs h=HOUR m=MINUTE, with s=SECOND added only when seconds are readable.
h=8 m=4
